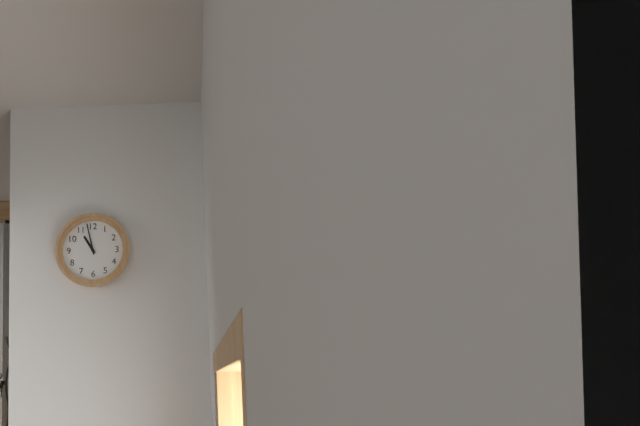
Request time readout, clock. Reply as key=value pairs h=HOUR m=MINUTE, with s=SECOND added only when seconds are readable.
h=10 m=58
